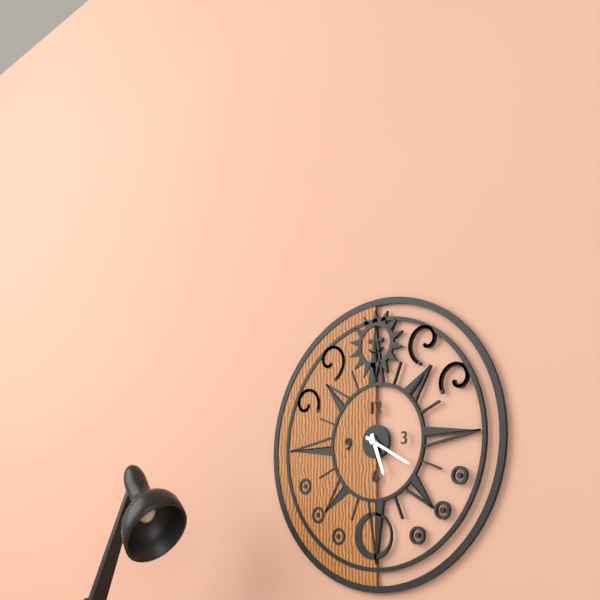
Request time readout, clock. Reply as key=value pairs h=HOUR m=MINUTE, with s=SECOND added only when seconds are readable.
h=5 m=20
